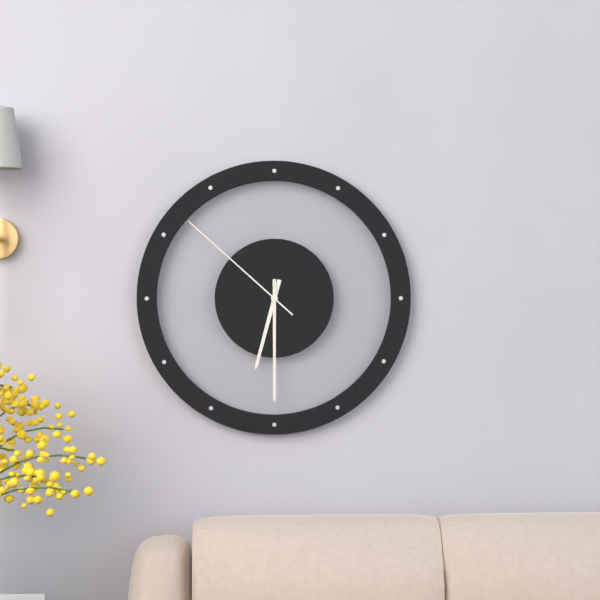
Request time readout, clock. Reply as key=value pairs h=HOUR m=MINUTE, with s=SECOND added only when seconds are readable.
h=6 m=30 s=52
